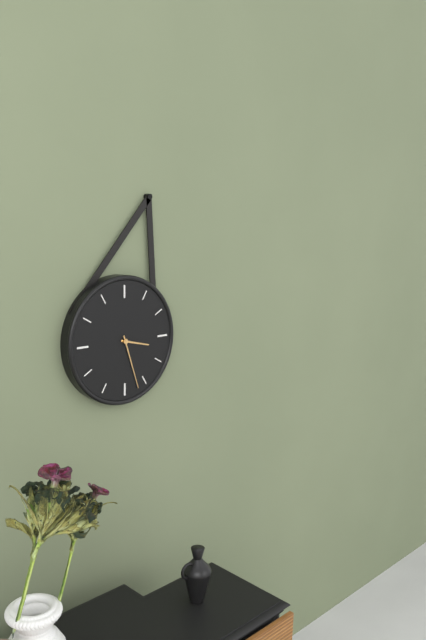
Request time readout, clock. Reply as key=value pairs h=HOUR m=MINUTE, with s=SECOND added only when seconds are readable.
h=3 m=27
